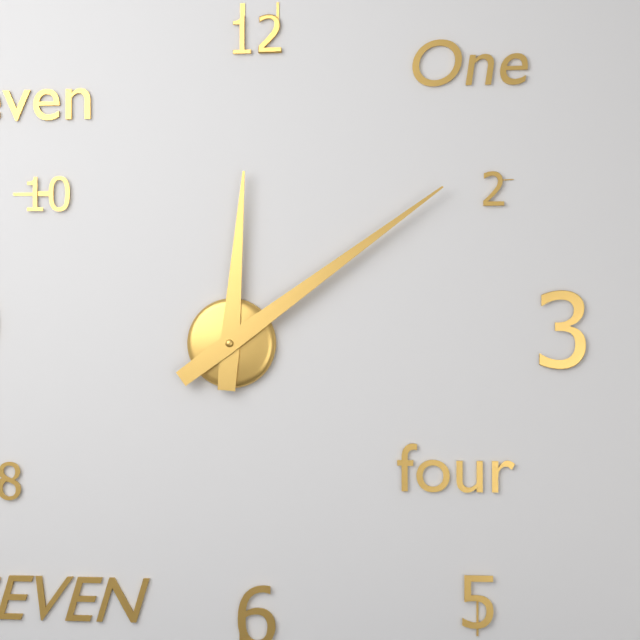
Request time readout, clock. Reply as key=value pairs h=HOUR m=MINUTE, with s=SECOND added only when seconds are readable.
h=12 m=9
